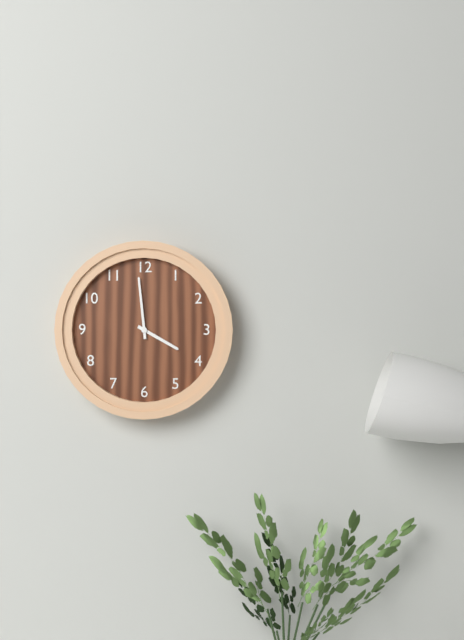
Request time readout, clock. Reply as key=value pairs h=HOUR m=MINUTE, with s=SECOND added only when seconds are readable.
h=3 m=59
